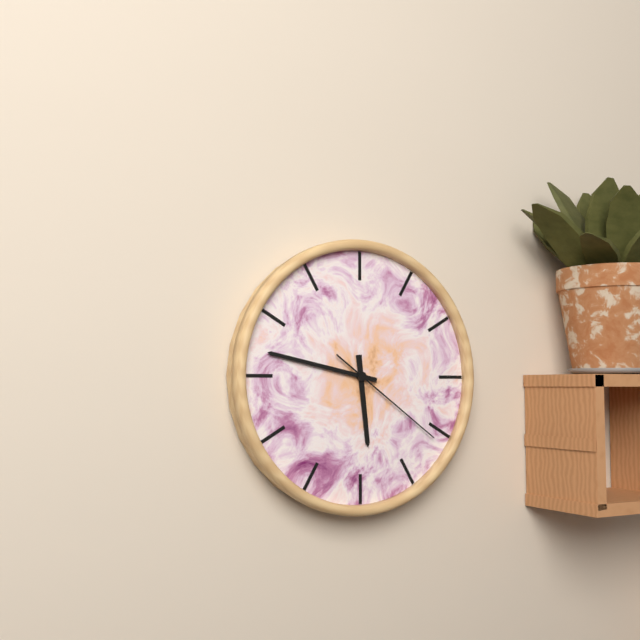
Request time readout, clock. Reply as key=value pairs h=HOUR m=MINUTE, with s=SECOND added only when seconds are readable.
h=5 m=47 s=21
